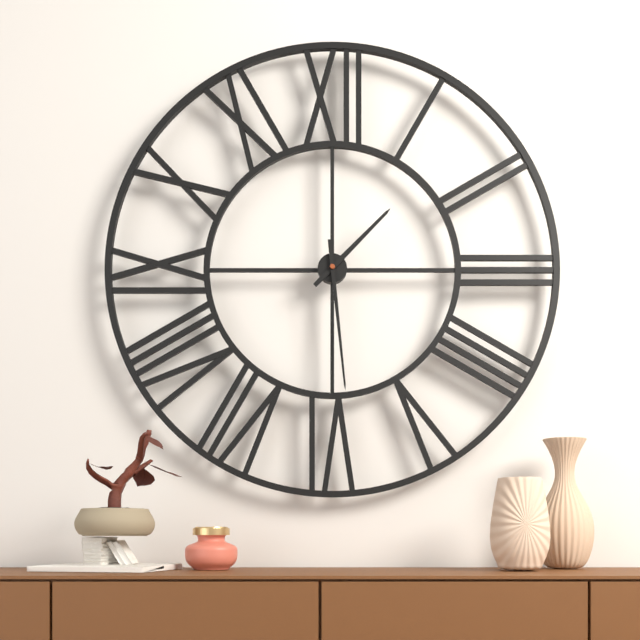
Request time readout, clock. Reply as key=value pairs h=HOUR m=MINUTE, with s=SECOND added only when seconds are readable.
h=1 m=29
